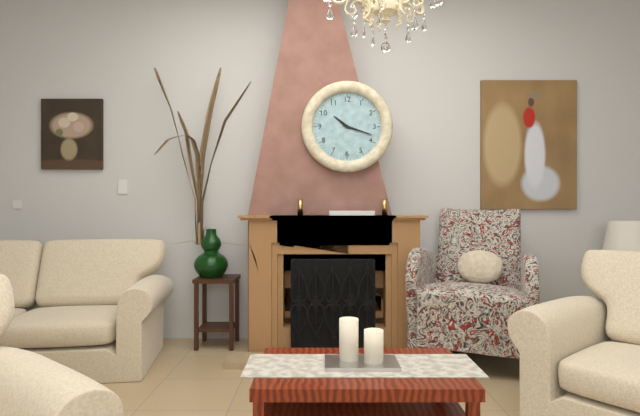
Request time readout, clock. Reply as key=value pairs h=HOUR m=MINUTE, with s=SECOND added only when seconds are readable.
h=10 m=18
